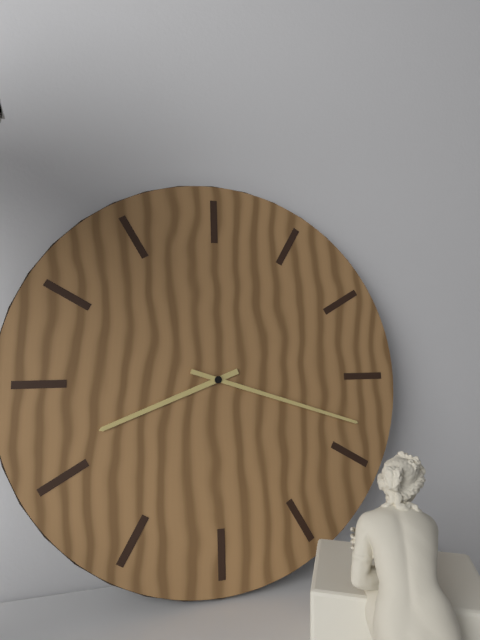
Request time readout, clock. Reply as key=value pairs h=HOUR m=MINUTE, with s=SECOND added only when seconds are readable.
h=8 m=18
